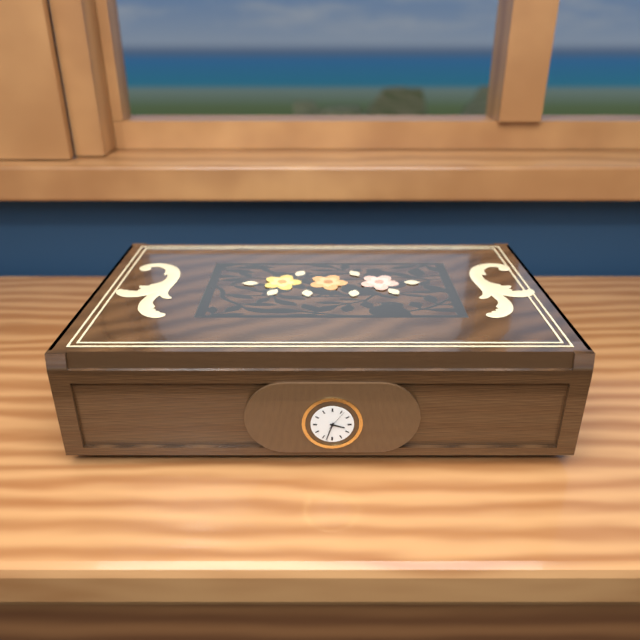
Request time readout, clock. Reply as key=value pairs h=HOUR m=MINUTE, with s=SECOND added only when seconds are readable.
h=3 m=33 s=6
